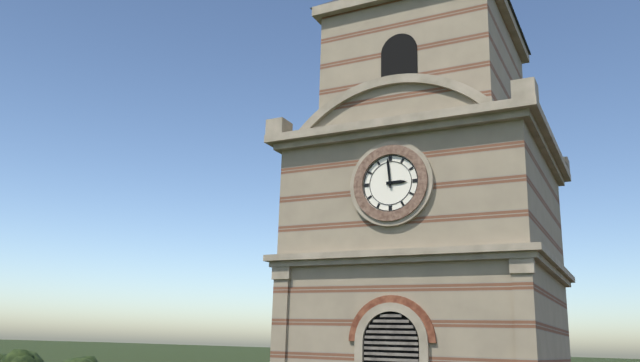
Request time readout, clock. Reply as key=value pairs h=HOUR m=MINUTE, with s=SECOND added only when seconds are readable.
h=2 m=59
